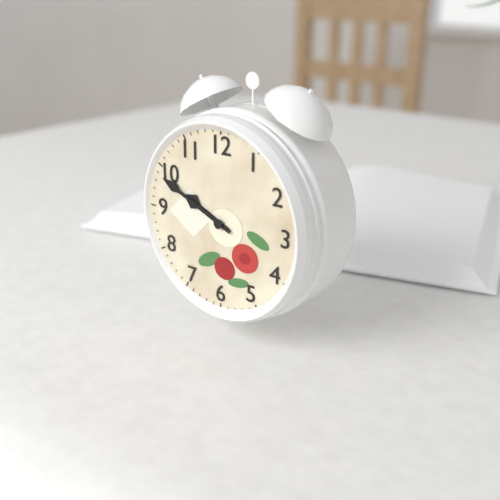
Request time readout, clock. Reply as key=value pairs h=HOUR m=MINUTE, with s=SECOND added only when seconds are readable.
h=9 m=49
